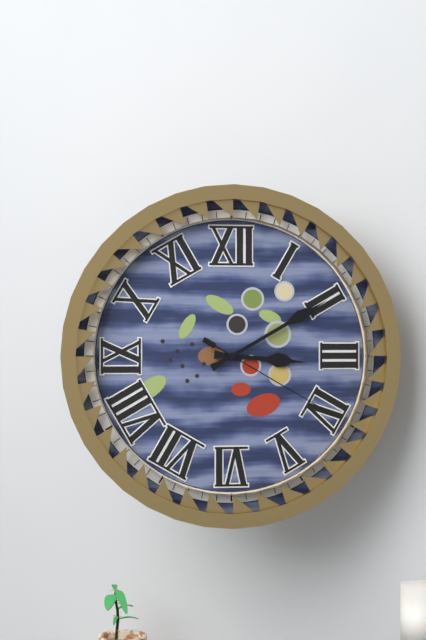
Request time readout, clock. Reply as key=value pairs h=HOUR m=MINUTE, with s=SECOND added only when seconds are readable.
h=3 m=10 s=20
